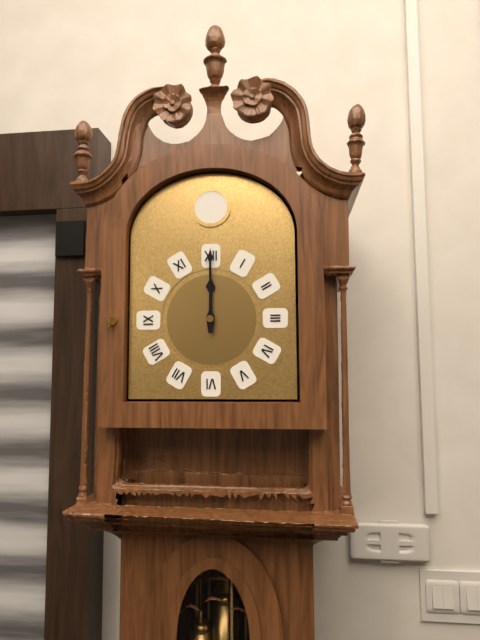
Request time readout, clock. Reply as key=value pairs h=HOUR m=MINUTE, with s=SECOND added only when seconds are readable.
h=12 m=0
